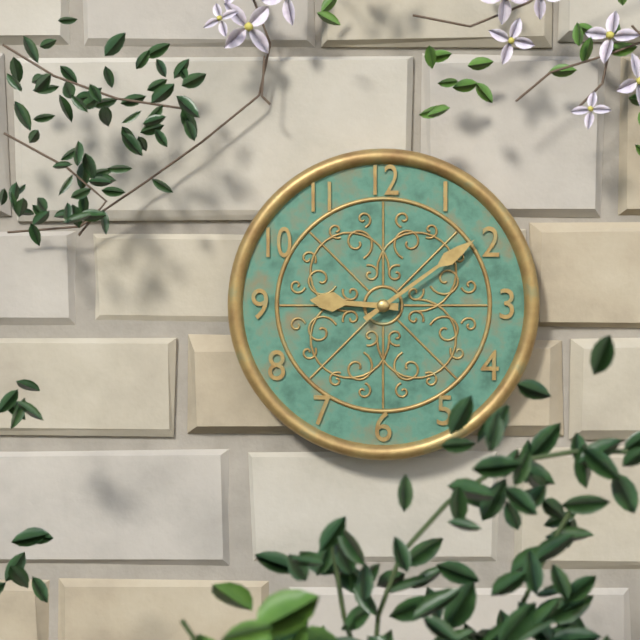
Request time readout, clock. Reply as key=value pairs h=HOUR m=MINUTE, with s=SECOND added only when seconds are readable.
h=9 m=9
